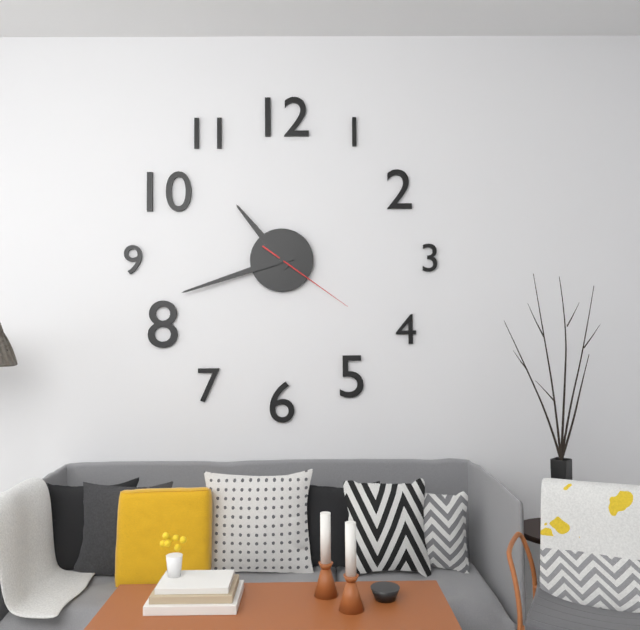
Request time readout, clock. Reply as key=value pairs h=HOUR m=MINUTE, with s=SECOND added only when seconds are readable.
h=10 m=42 s=21
